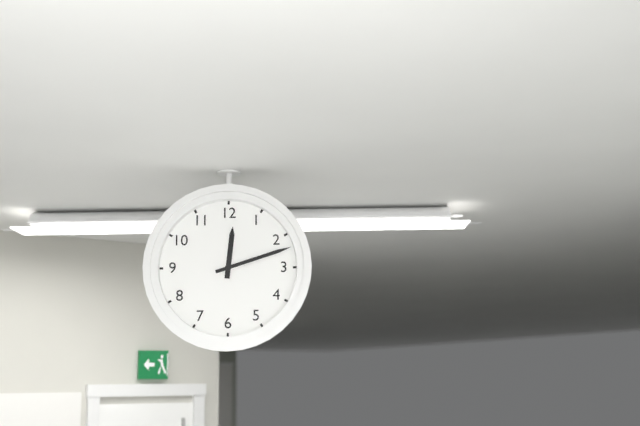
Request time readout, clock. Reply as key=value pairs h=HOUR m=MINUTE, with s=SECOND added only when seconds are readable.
h=12 m=12
